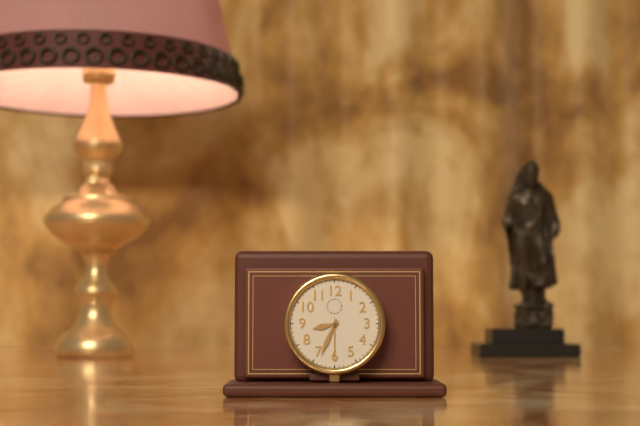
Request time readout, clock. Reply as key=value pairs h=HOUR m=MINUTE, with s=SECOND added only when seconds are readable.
h=8 m=34
